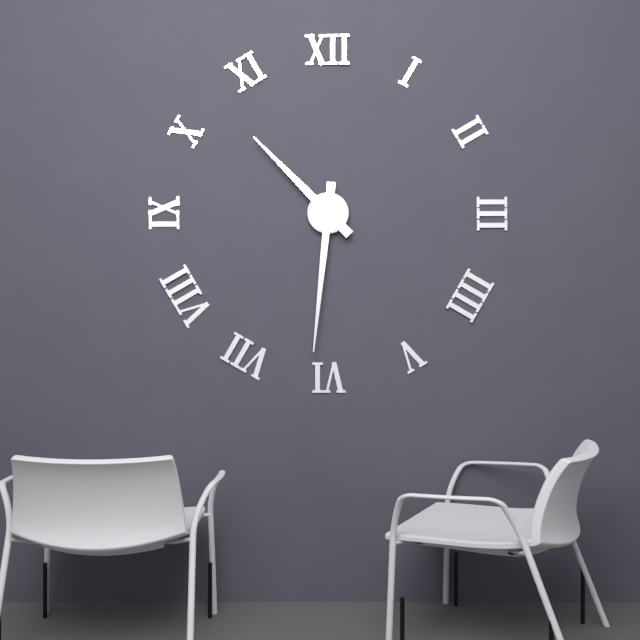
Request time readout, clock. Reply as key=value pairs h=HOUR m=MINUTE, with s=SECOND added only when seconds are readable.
h=10 m=31
